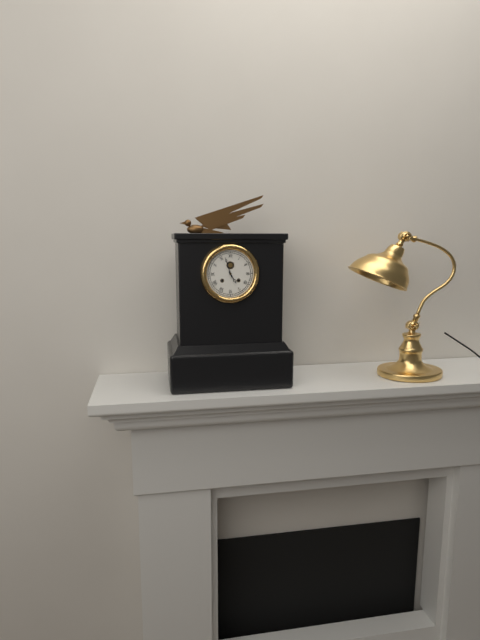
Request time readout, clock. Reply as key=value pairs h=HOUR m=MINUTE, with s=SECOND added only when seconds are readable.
h=4 m=57
